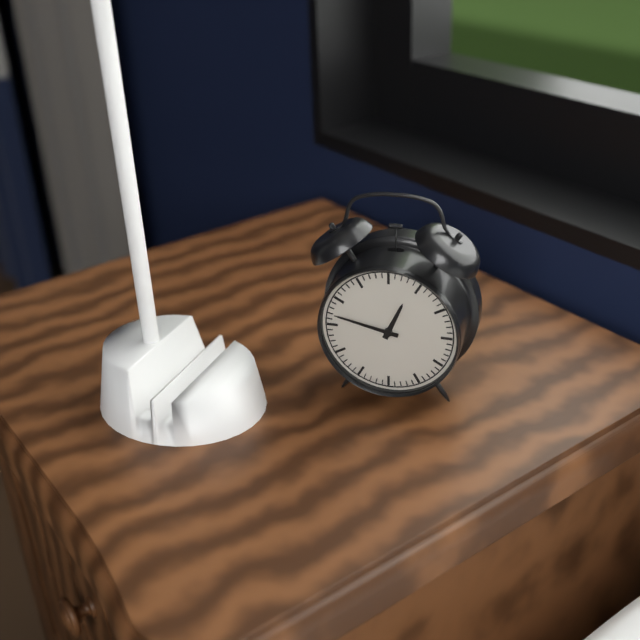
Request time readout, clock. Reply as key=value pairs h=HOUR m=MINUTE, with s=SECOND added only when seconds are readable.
h=12 m=47
